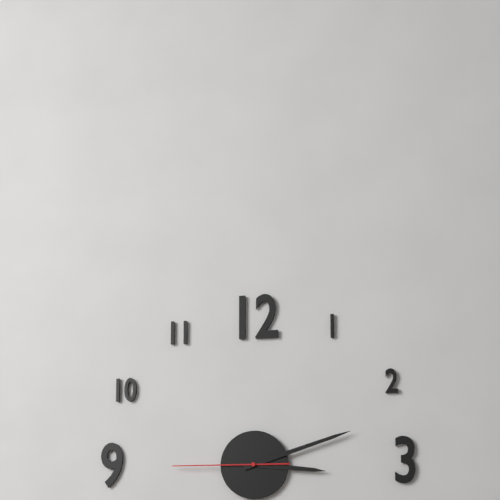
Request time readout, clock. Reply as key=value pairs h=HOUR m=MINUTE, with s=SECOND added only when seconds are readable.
h=3 m=12 s=45
